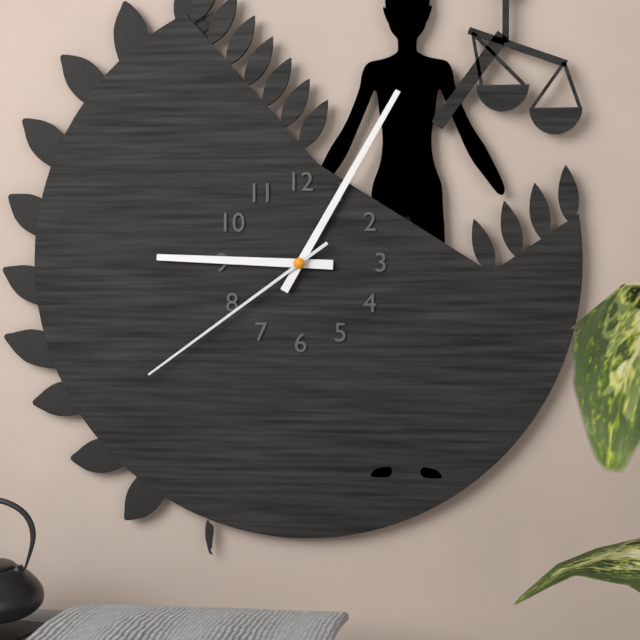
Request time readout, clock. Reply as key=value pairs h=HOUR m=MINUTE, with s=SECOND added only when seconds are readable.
h=9 m=5 s=39
